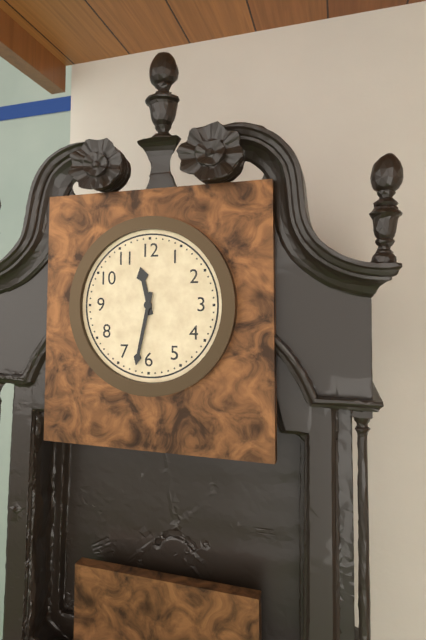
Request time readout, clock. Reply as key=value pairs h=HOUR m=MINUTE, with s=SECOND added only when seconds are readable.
h=11 m=32
